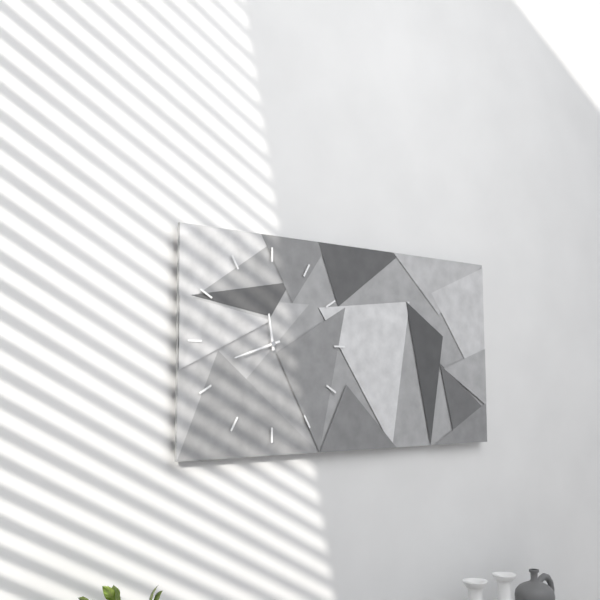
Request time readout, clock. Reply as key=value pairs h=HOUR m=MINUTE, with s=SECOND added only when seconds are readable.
h=11 m=42
